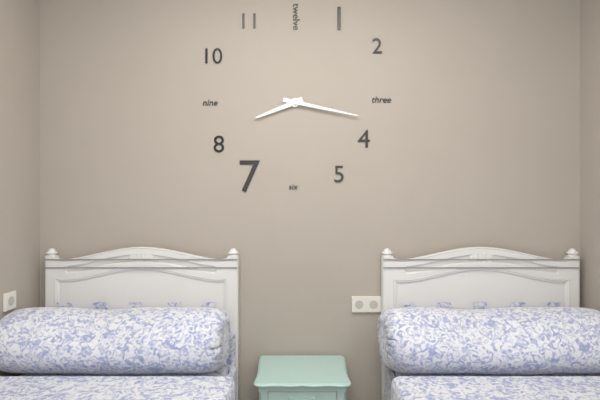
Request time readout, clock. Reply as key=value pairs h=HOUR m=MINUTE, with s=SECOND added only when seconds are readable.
h=8 m=17
